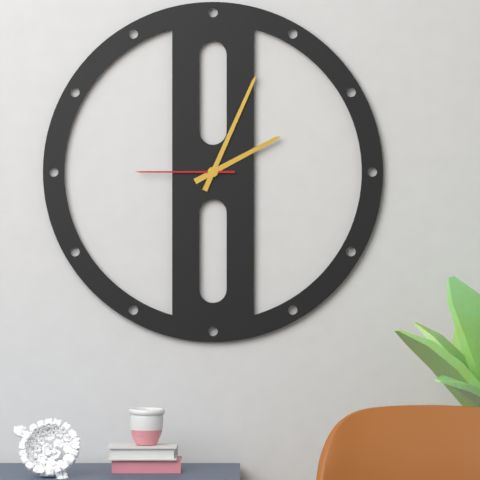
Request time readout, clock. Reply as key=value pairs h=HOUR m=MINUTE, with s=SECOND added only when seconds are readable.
h=2 m=4 s=45
